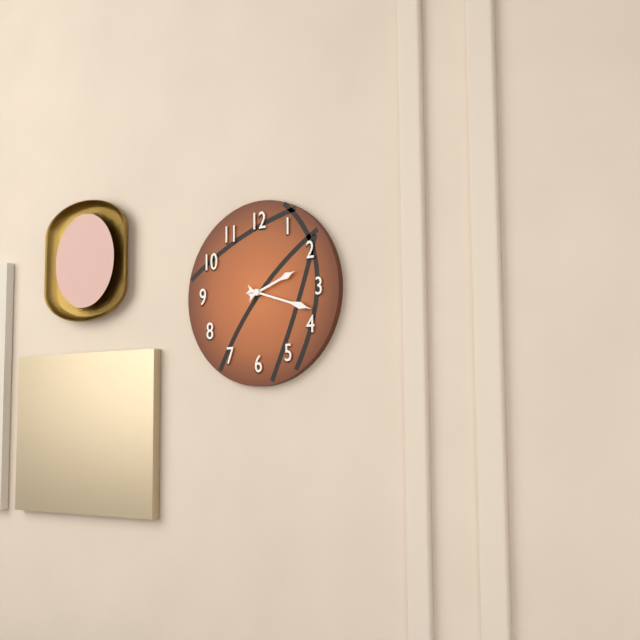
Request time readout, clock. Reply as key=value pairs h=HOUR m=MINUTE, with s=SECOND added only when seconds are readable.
h=2 m=18
